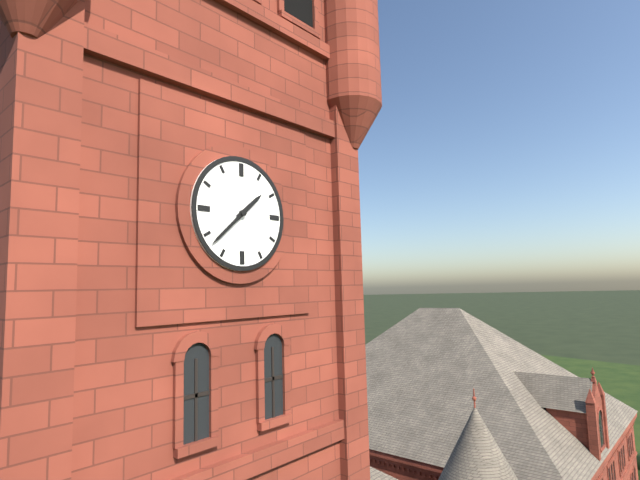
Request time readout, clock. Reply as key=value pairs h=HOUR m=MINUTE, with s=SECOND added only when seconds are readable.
h=1 m=38
